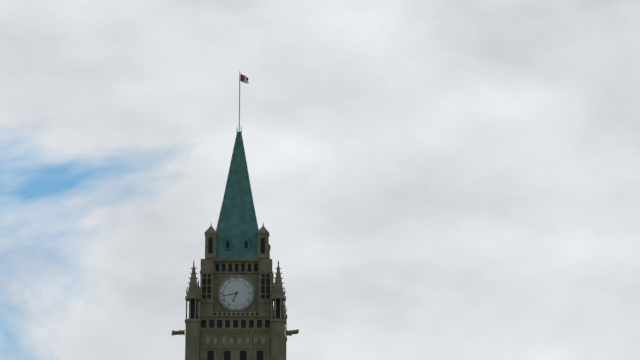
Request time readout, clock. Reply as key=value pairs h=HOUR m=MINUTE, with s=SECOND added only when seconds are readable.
h=6 m=43
